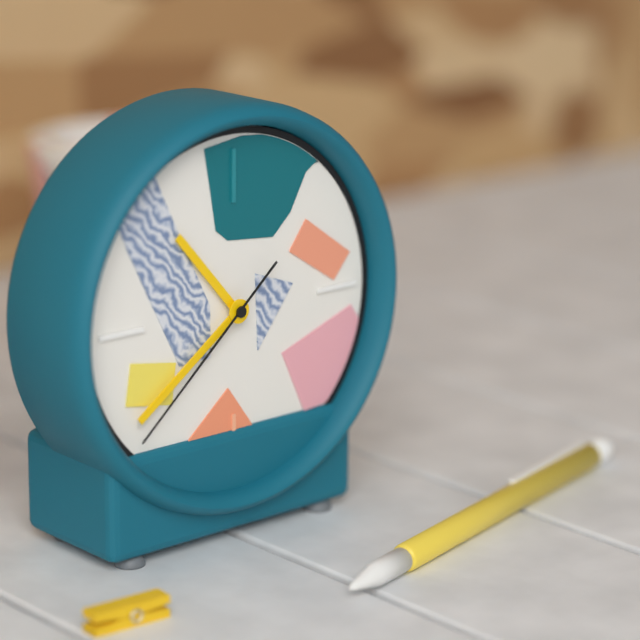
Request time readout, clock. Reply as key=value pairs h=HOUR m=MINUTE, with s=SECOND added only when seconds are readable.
h=10 m=39 s=38
